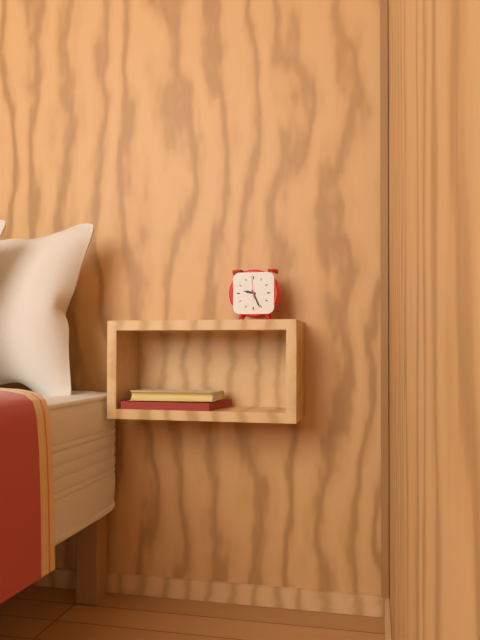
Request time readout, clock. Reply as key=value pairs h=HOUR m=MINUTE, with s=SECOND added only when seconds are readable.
h=9 m=26
